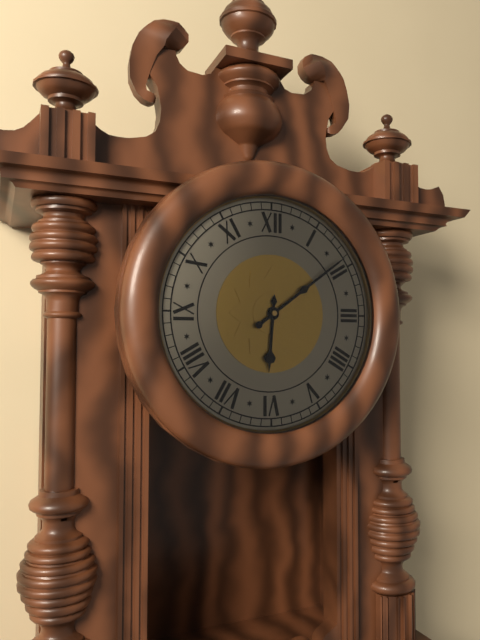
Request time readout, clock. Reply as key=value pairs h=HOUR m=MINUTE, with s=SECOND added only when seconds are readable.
h=6 m=9
